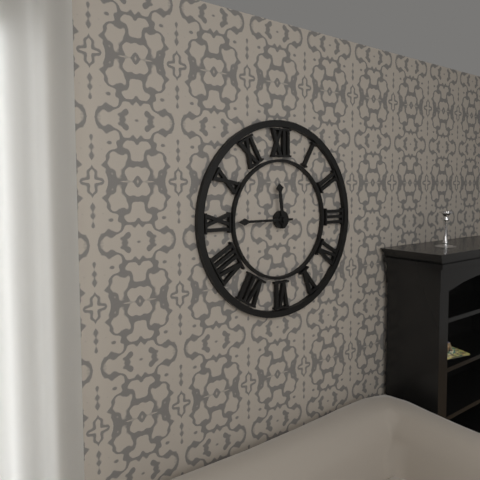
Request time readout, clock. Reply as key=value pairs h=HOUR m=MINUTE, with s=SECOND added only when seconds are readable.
h=11 m=45
